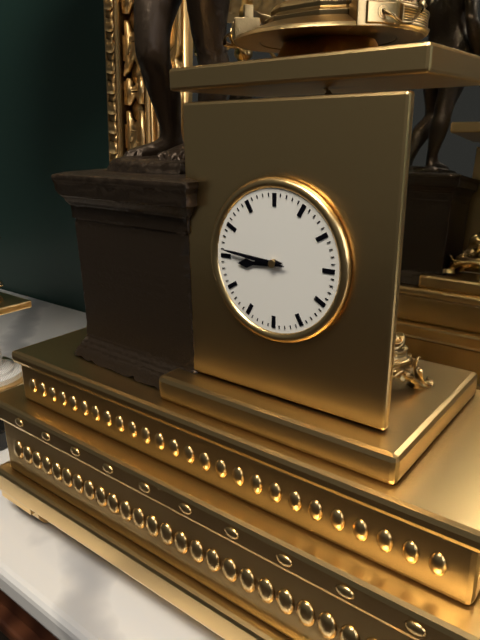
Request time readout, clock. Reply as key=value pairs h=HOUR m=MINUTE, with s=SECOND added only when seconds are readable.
h=8 m=46
